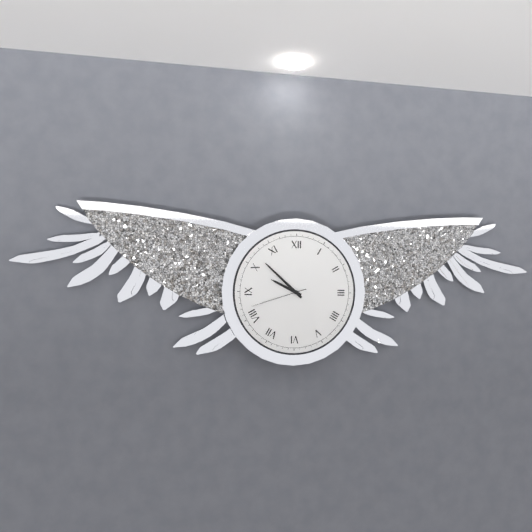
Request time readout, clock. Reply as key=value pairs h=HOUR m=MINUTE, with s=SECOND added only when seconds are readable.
h=9 m=52 s=42
